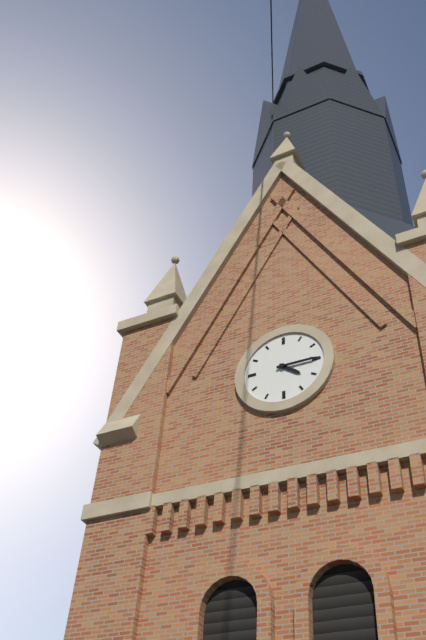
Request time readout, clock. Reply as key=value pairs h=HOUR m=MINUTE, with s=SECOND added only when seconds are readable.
h=4 m=15
